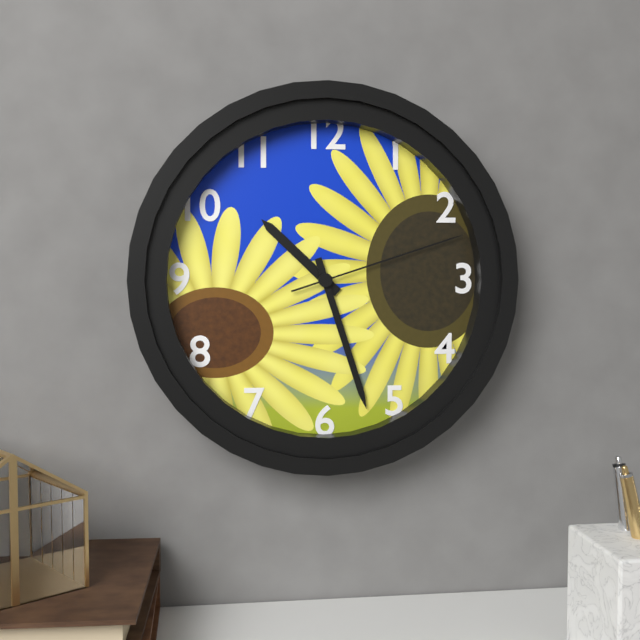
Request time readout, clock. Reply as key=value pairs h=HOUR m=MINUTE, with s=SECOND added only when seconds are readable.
h=10 m=27 s=12
